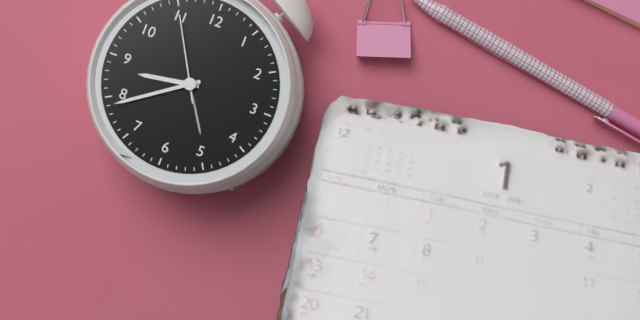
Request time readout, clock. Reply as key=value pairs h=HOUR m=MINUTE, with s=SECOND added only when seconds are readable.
h=8 m=39 s=55
